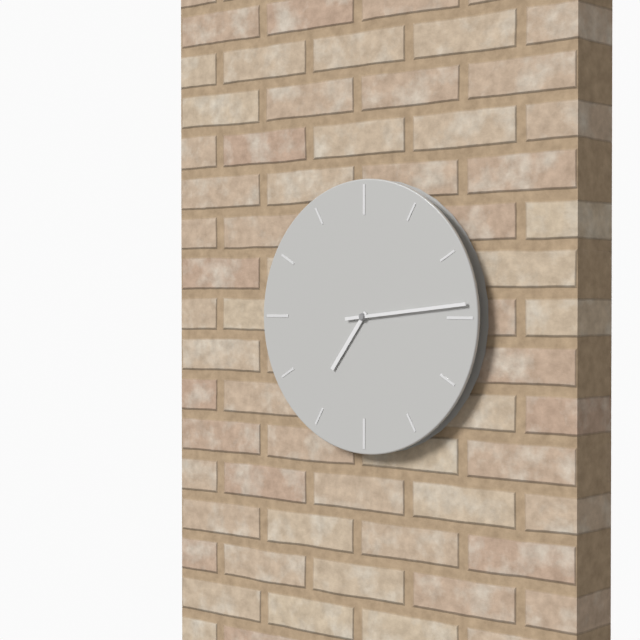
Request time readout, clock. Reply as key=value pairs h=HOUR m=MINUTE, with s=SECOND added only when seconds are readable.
h=7 m=14
